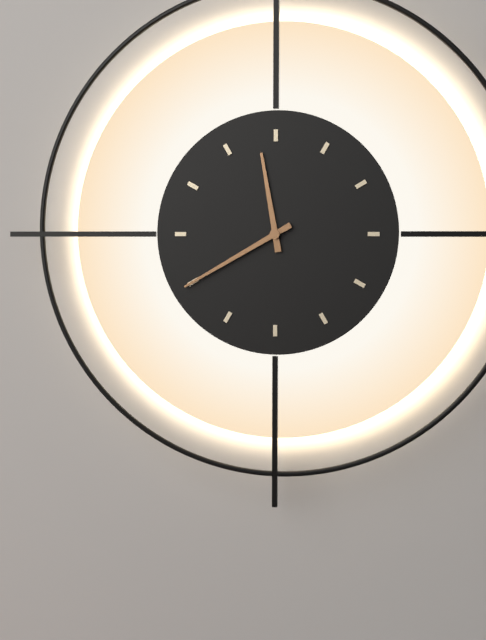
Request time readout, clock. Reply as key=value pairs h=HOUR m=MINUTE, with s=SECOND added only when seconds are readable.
h=11 m=40
